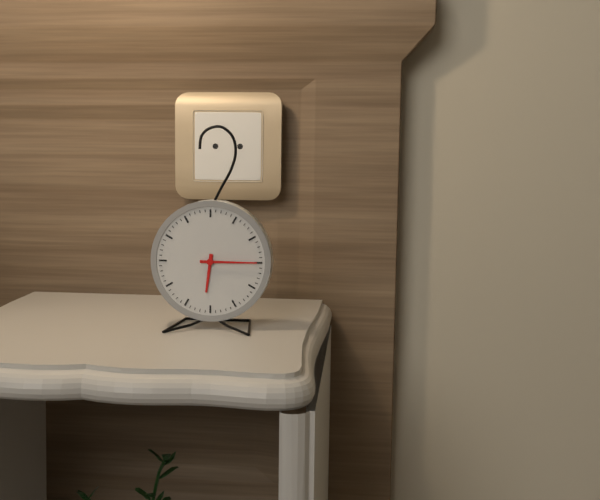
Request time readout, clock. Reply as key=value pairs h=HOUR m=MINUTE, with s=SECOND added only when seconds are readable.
h=6 m=15
